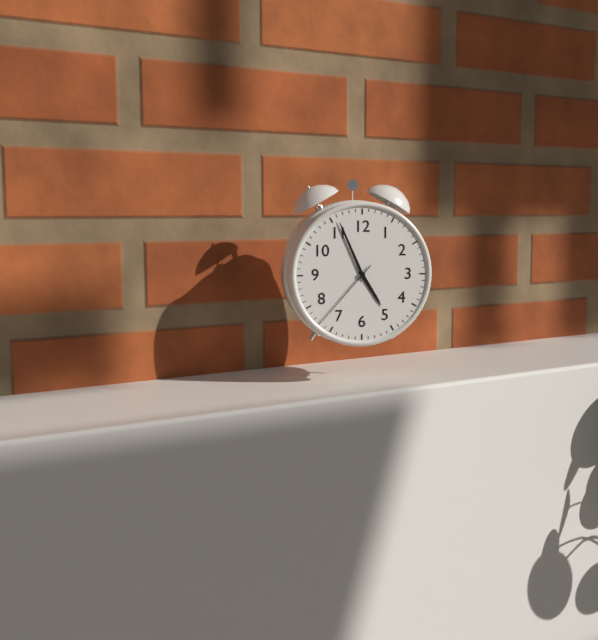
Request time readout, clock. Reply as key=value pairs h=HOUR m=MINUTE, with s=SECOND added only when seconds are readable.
h=4 m=56 s=37
